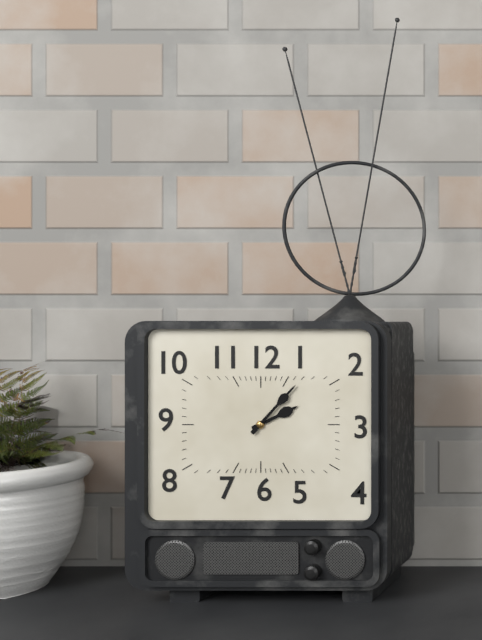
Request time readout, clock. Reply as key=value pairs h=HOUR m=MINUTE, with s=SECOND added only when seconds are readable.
h=2 m=7
